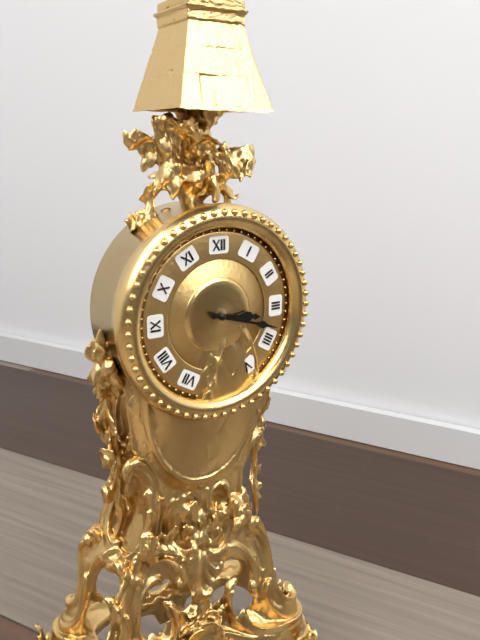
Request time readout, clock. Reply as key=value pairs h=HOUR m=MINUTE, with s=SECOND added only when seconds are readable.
h=3 m=18
